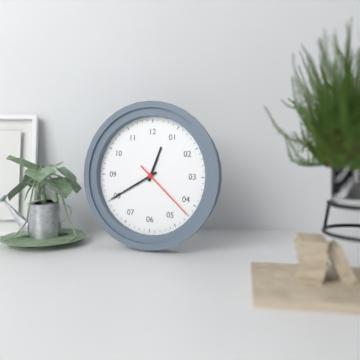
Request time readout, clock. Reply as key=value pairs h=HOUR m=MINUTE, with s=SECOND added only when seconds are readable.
h=12 m=40 s=22
